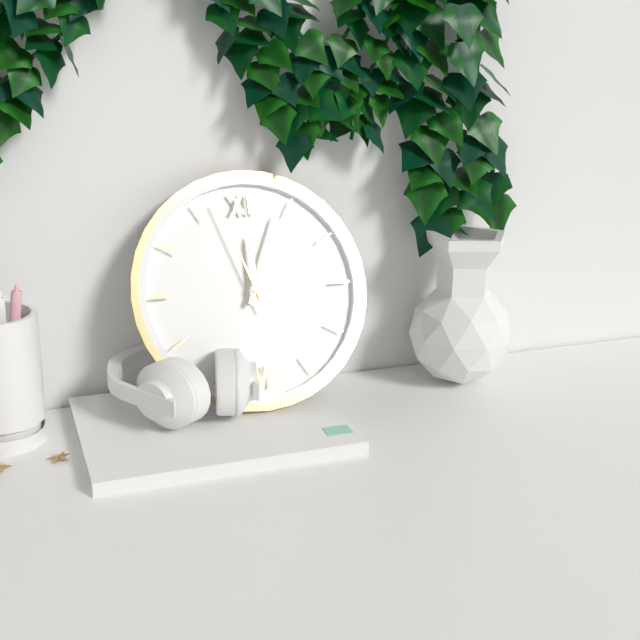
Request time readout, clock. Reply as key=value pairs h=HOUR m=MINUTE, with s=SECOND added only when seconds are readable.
h=12 m=4 s=57
